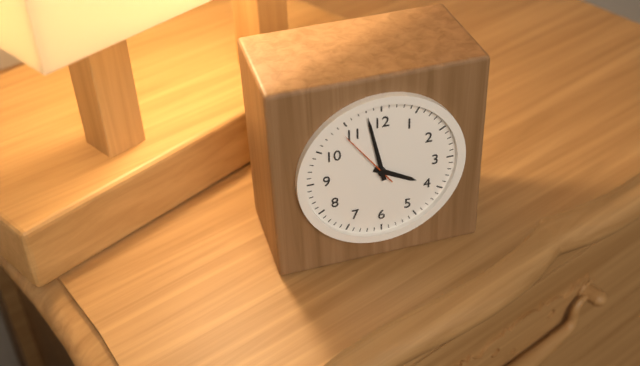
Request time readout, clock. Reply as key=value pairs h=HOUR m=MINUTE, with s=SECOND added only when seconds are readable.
h=3 m=58 s=54
